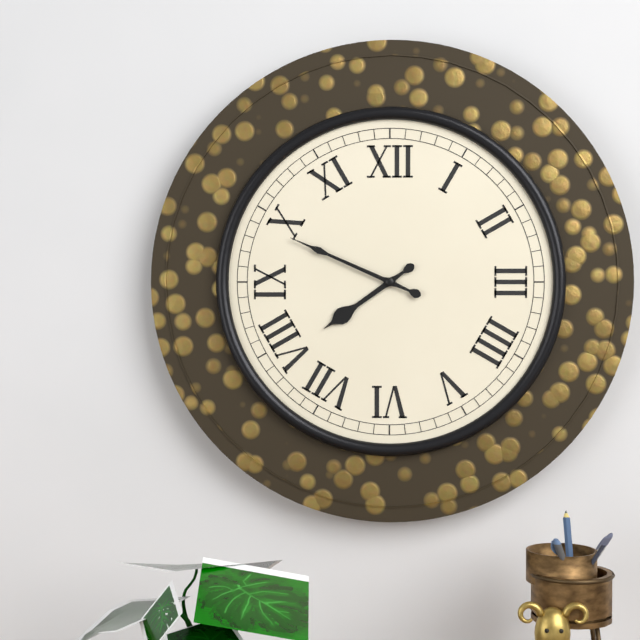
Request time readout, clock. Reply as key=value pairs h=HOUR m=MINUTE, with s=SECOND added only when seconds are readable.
h=7 m=49
